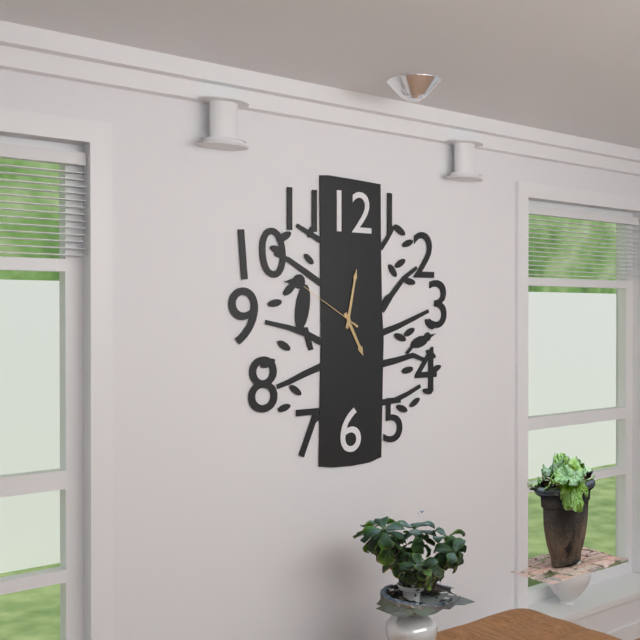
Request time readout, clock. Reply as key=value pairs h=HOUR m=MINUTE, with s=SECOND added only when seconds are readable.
h=5 m=2 s=50
